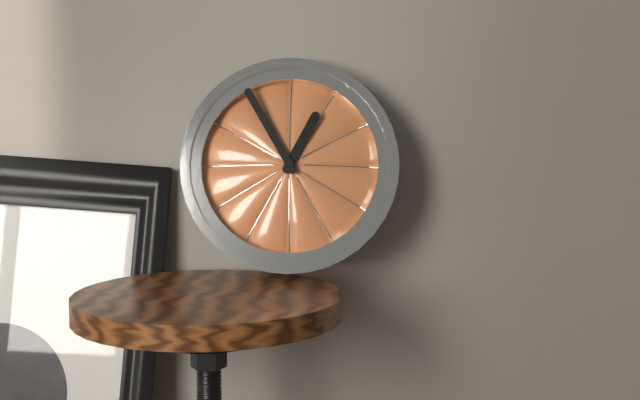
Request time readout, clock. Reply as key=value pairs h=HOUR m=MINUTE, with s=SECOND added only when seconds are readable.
h=12 m=55
